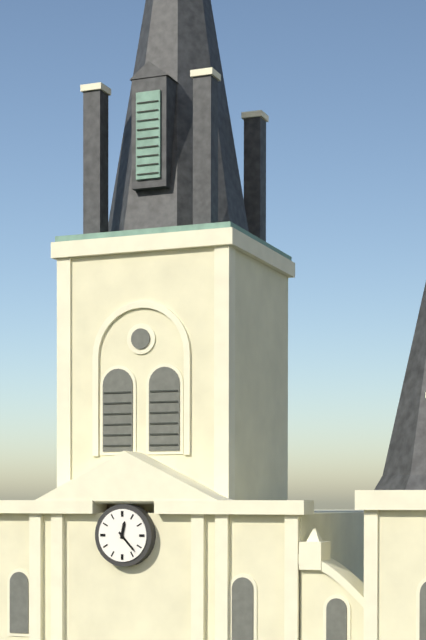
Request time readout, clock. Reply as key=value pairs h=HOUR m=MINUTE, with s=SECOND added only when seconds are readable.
h=12 m=23
